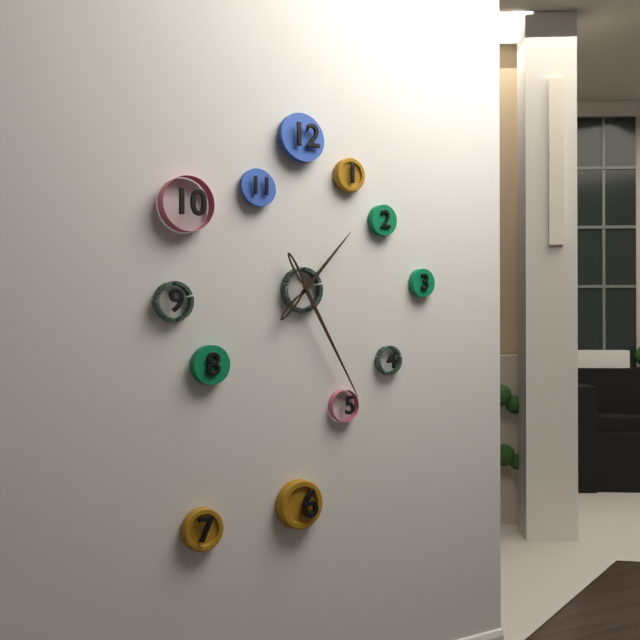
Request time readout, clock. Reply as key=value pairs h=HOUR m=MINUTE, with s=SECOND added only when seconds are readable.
h=1 m=25
